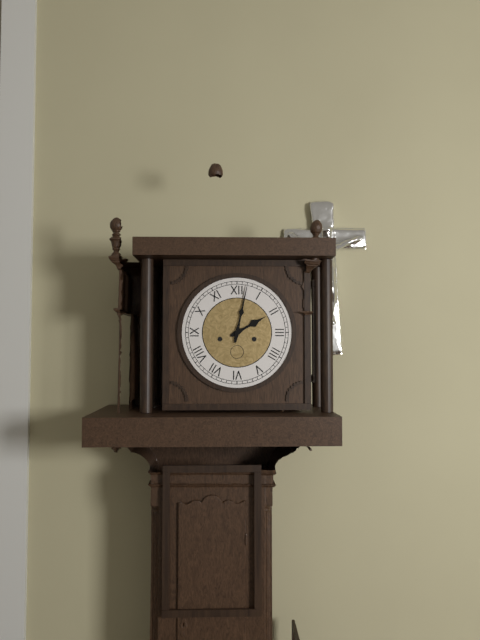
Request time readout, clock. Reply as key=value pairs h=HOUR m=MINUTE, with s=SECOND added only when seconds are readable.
h=2 m=2
